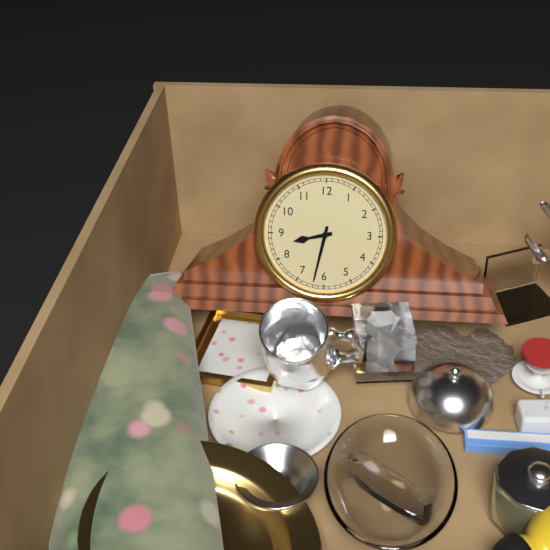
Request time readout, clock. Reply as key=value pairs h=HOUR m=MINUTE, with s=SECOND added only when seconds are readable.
h=8 m=32
